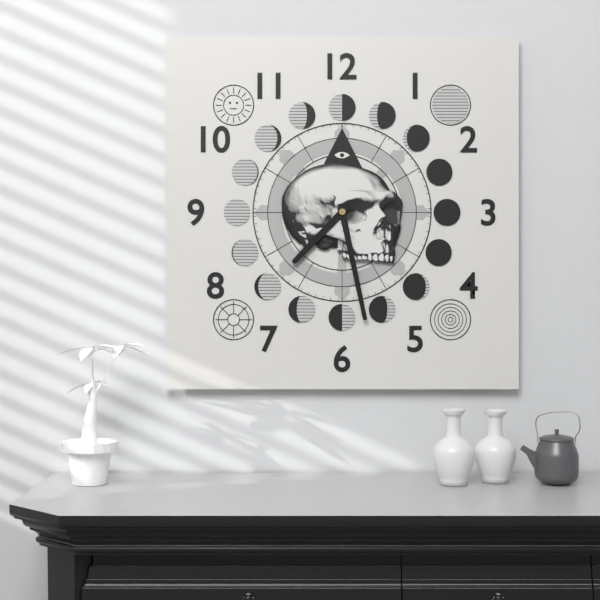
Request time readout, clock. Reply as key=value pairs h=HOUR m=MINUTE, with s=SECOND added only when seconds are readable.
h=7 m=28
